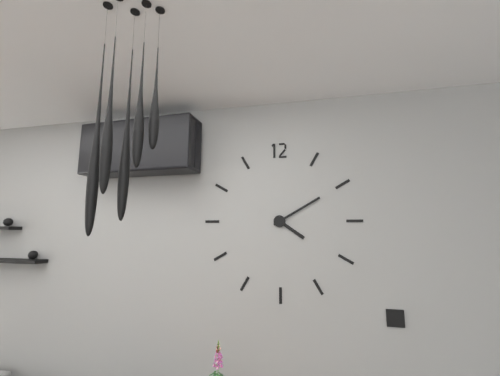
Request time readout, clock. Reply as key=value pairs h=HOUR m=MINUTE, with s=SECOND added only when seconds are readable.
h=4 m=10
